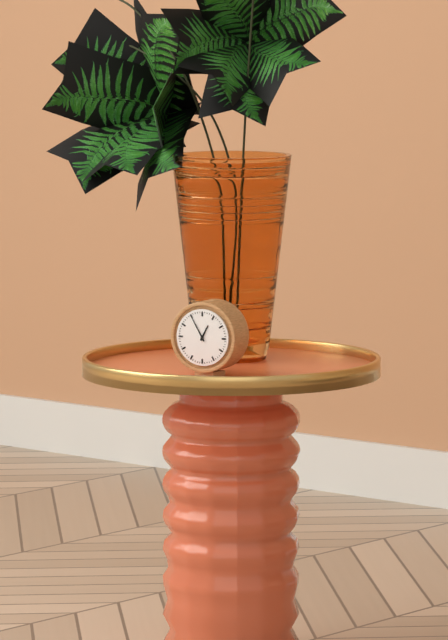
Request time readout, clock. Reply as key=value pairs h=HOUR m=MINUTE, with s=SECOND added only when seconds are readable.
h=12 m=55
